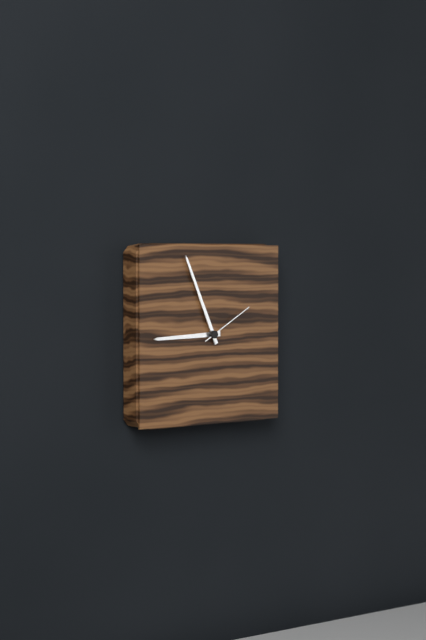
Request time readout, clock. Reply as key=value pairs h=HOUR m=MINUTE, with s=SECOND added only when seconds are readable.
h=8 m=56 s=10
